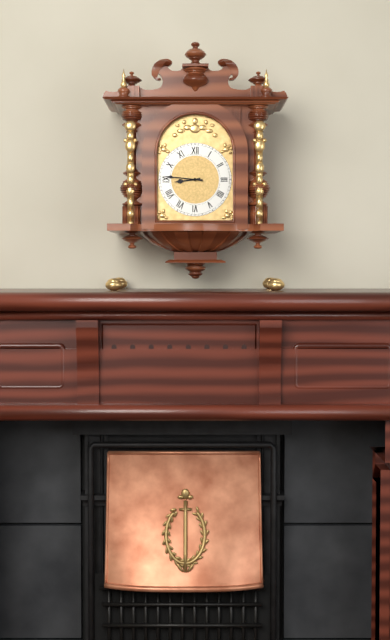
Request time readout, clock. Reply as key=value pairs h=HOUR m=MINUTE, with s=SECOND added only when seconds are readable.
h=8 m=46
